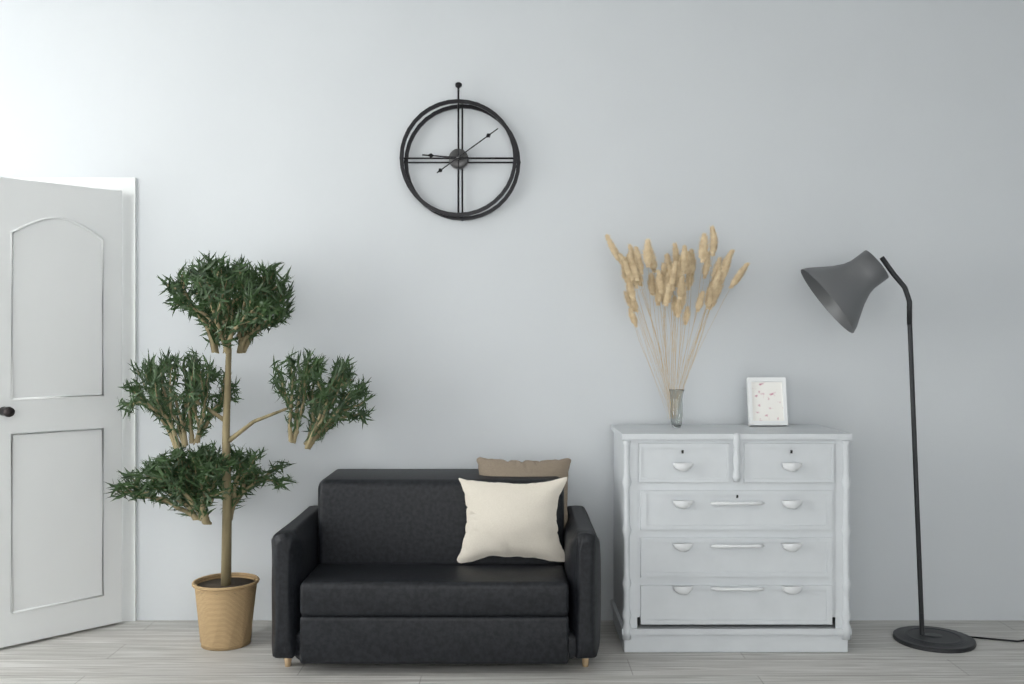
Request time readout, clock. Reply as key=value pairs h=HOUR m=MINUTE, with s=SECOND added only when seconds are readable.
h=9 m=9
